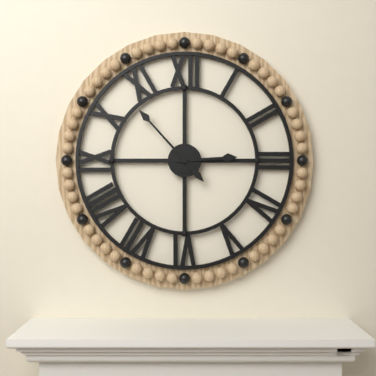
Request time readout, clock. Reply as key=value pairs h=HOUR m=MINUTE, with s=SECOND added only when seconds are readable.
h=2 m=53
